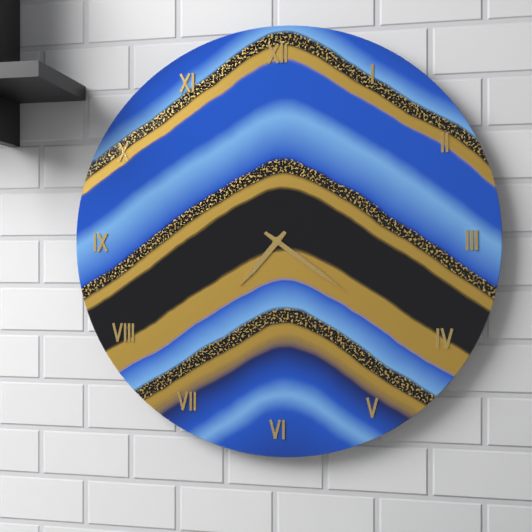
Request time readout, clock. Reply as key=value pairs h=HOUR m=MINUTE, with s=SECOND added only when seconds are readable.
h=7 m=21
